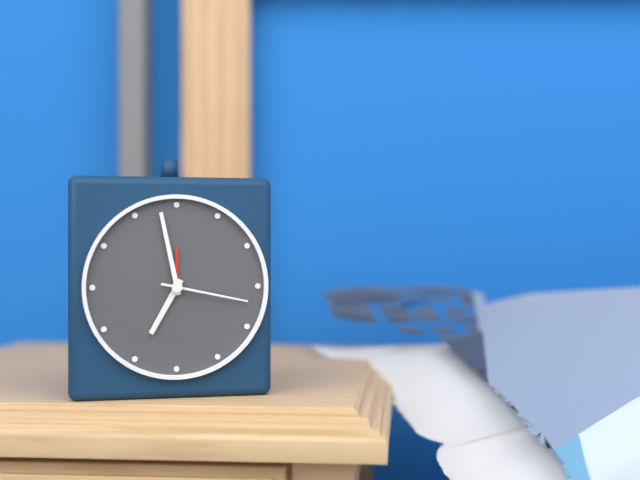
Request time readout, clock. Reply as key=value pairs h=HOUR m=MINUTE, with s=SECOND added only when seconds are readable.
h=6 m=58 s=17
